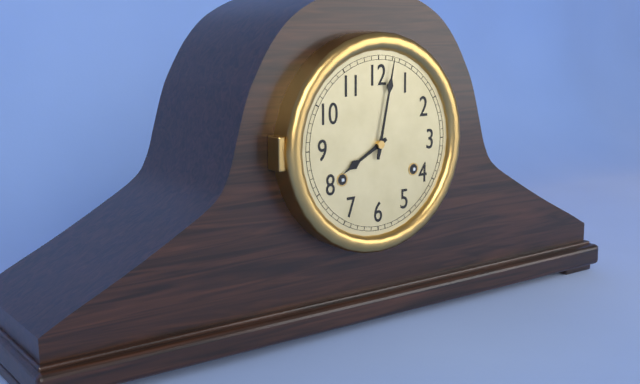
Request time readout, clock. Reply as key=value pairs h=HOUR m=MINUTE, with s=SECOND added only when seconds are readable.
h=8 m=2
